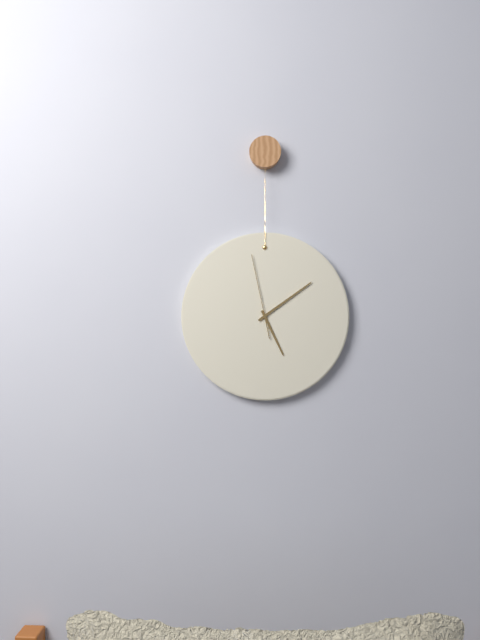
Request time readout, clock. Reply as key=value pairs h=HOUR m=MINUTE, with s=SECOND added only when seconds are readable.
h=5 m=9 s=58
